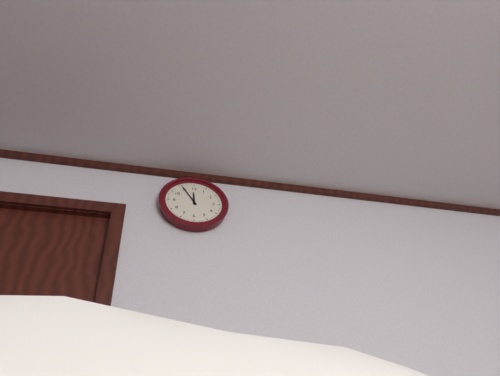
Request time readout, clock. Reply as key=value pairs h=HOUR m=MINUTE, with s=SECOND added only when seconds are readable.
h=11 m=55
